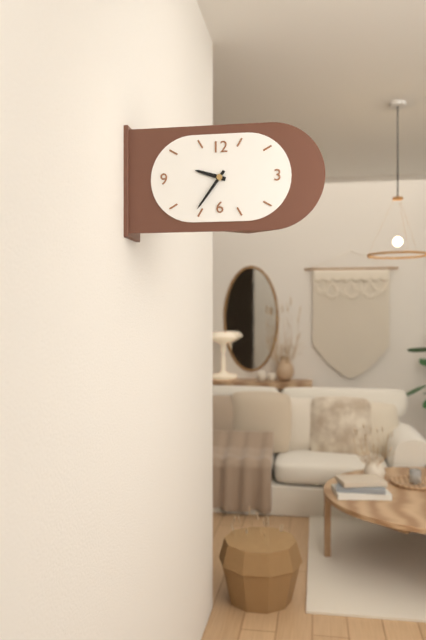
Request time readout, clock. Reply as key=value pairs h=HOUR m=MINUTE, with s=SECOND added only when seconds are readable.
h=9 m=36
